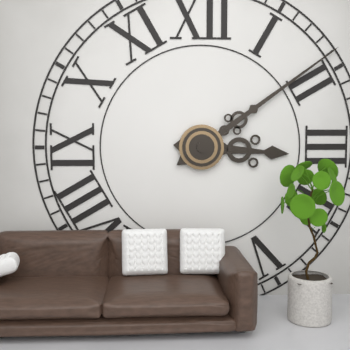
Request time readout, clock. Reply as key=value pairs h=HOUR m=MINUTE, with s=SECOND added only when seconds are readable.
h=3 m=9
